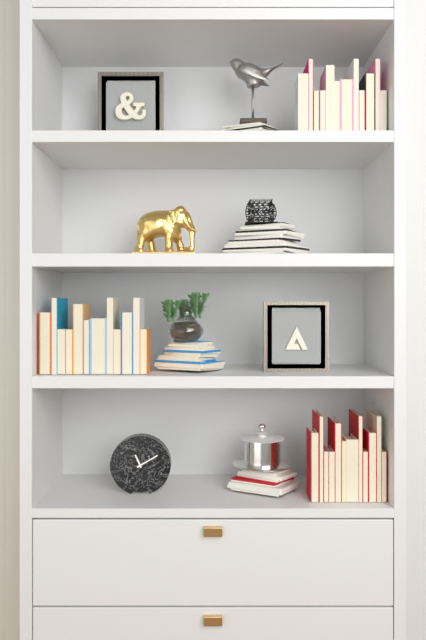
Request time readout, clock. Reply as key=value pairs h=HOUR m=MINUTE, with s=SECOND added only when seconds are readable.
h=11 m=10
